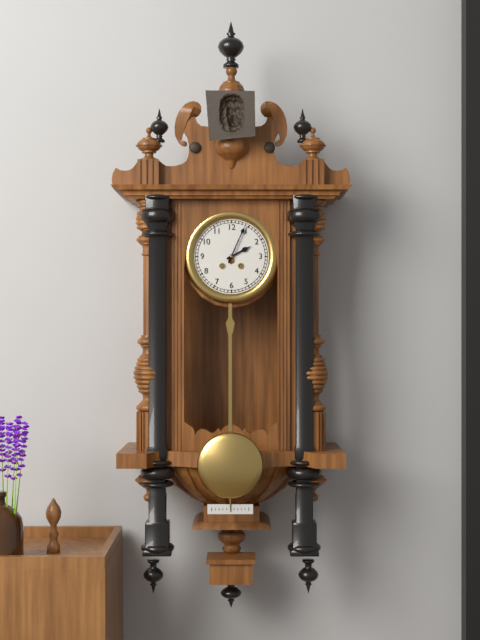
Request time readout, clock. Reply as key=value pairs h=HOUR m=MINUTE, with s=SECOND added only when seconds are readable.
h=2 m=4
